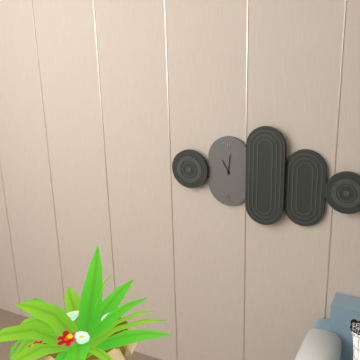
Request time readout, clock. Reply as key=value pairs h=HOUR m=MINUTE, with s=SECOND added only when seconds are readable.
h=11 m=1
